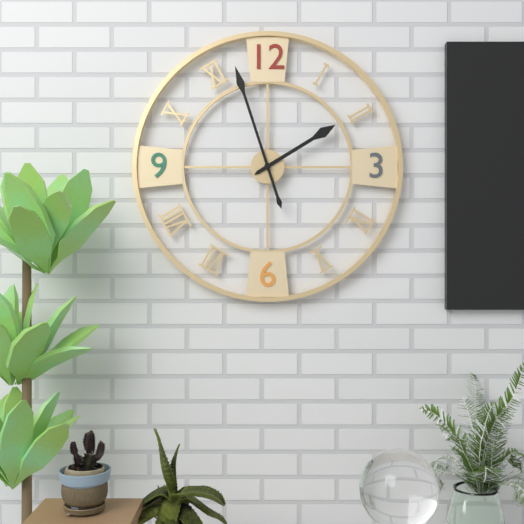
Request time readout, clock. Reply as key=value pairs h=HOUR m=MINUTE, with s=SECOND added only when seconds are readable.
h=1 m=57
